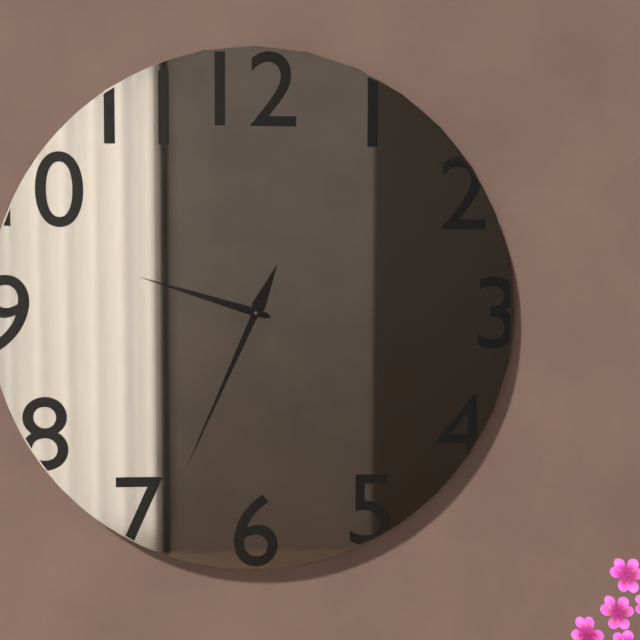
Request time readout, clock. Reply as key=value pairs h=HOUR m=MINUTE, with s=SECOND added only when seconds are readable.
h=9 m=34
